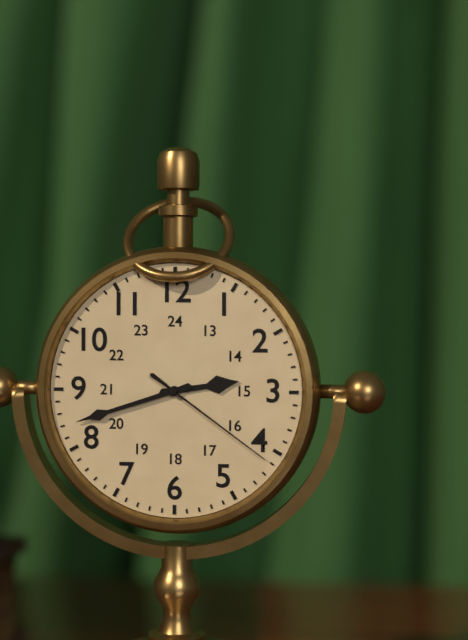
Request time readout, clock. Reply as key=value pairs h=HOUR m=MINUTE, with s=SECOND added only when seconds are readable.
h=2 m=42 s=21
